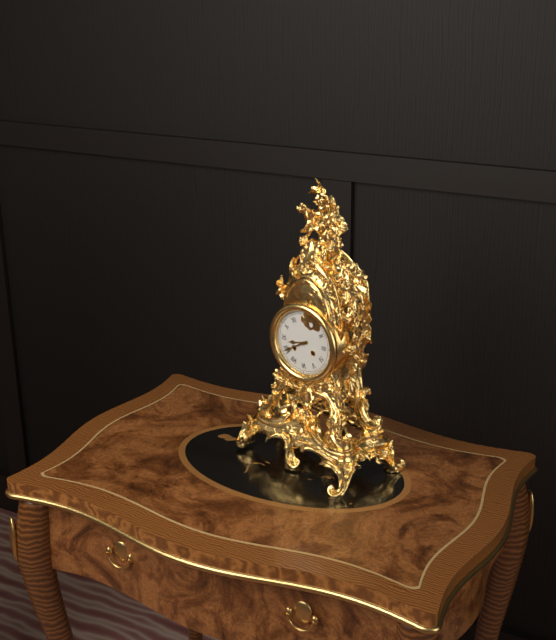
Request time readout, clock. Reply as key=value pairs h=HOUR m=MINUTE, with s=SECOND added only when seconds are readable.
h=8 m=40
